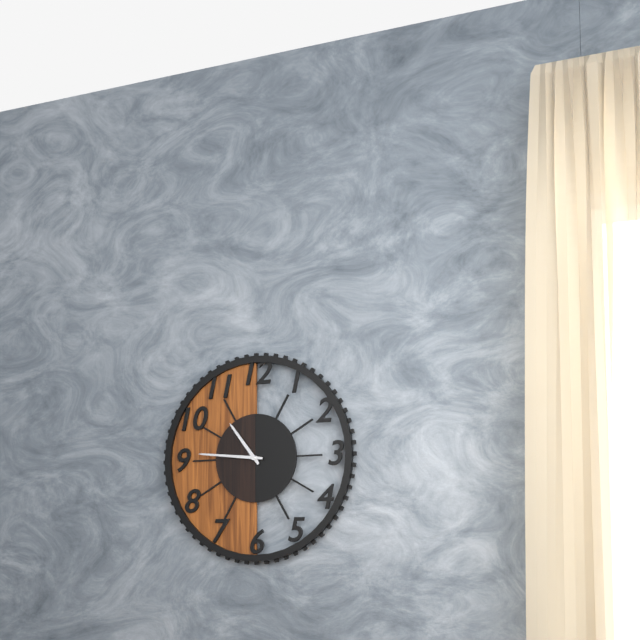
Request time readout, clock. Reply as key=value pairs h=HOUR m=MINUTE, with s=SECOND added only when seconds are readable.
h=10 m=46
